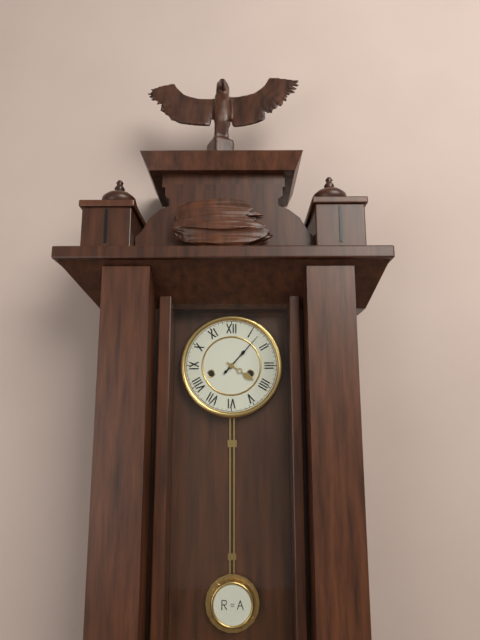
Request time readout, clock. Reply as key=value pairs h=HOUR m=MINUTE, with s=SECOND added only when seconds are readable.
h=4 m=7
